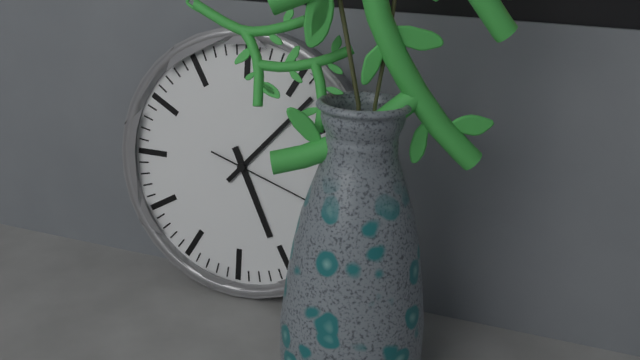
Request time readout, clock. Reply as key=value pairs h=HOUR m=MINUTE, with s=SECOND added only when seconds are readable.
h=5 m=7 s=18
